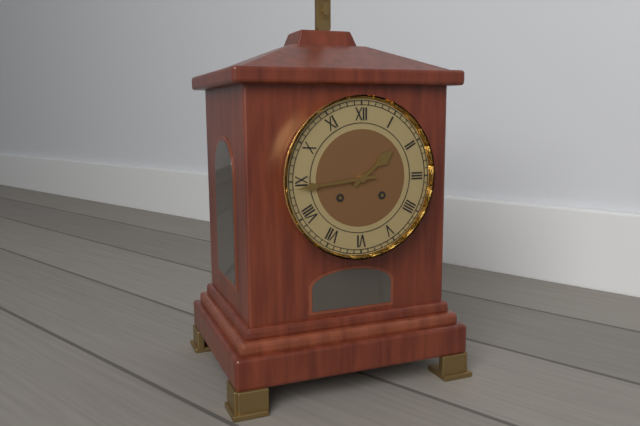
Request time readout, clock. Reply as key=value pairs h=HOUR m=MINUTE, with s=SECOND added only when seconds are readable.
h=1 m=44
